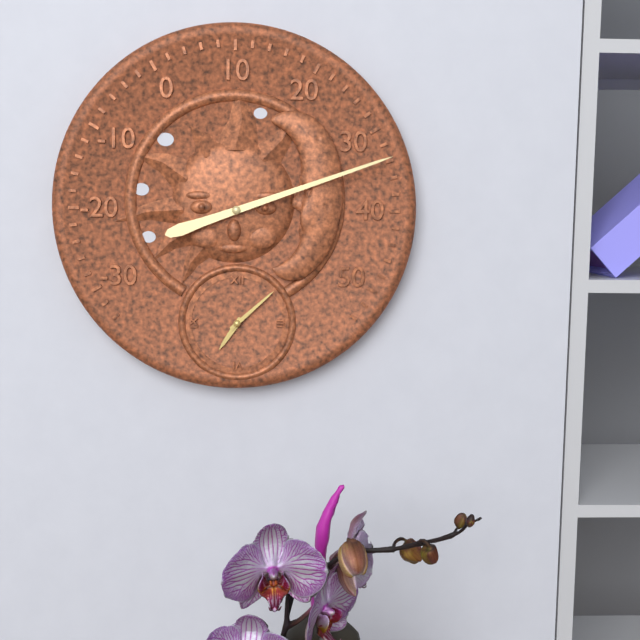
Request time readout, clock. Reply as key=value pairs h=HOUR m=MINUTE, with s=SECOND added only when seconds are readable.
h=7 m=8
